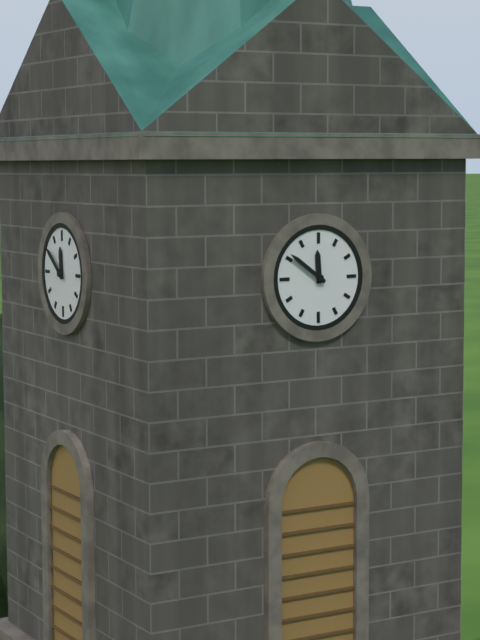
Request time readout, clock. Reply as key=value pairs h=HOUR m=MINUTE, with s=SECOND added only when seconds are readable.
h=11 m=51
